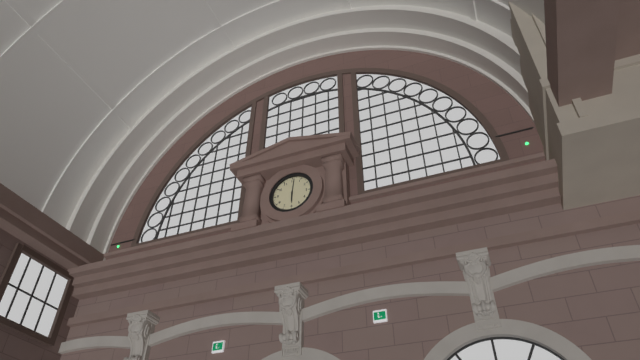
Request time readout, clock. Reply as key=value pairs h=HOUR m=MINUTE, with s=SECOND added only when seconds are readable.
h=6 m=1
